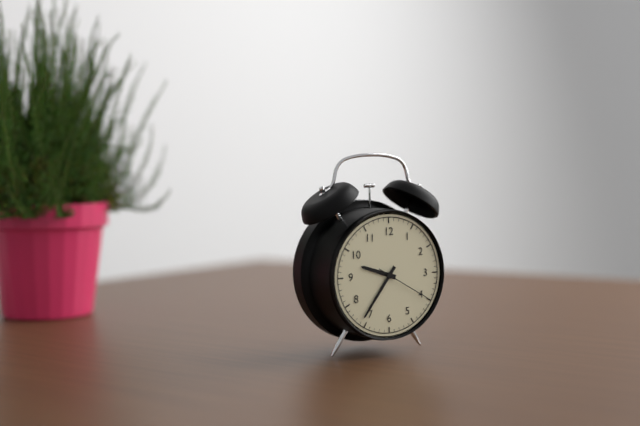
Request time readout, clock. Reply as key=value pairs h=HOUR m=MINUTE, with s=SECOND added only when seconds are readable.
h=9 m=36 s=20
